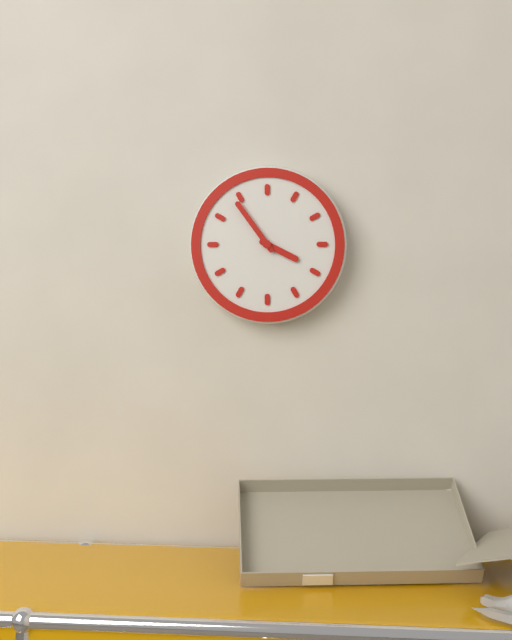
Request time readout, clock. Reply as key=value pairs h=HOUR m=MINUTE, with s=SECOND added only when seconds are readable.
h=3 m=54
